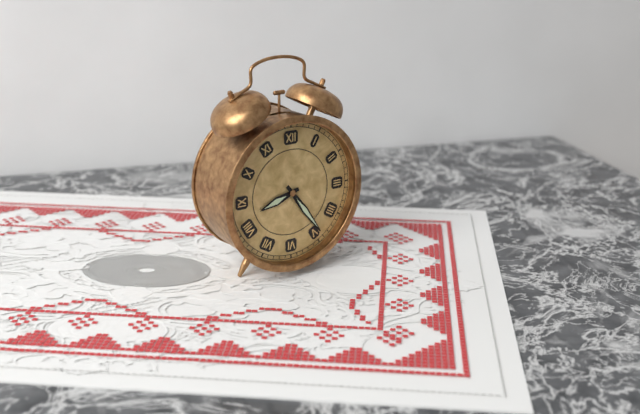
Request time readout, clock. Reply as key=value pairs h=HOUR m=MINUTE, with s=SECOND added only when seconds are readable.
h=8 m=24
